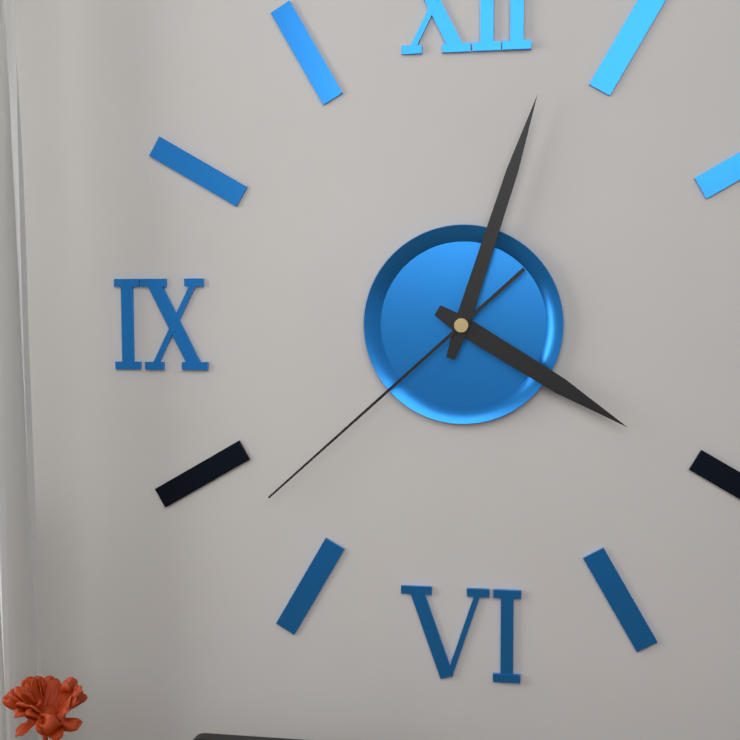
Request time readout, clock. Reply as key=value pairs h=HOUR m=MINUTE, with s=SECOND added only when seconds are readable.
h=4 m=3 s=38
